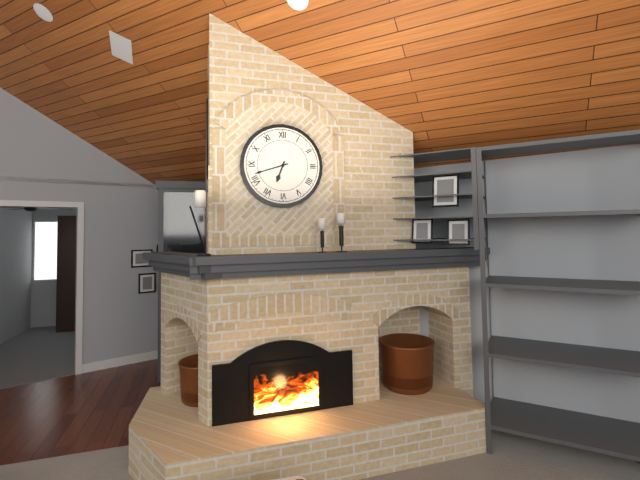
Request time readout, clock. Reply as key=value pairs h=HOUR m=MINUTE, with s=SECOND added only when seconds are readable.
h=6 m=42
